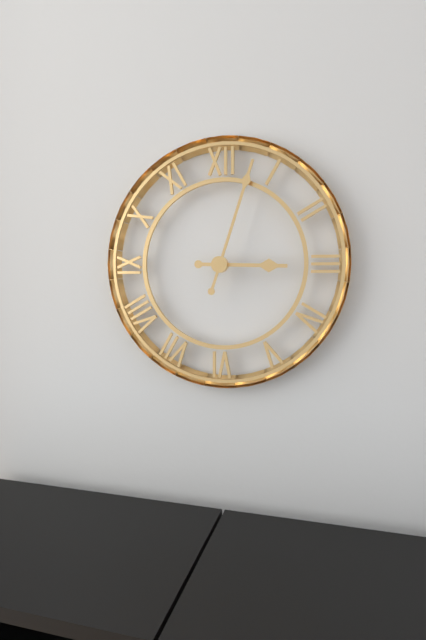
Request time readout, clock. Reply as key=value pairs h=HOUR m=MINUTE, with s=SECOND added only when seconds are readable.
h=3 m=3
